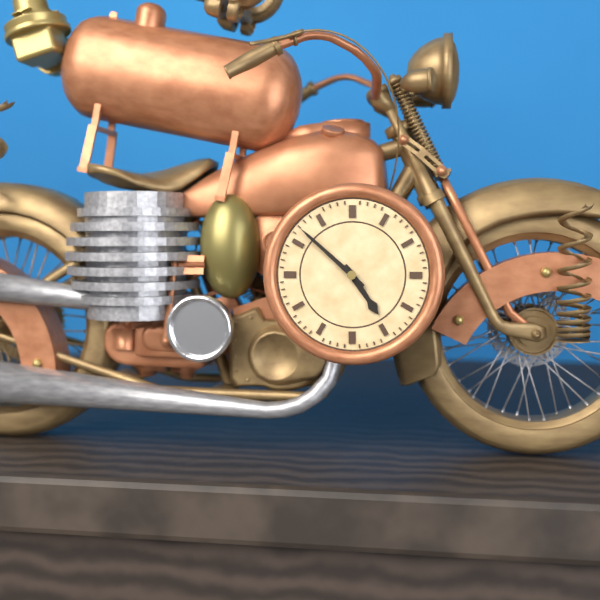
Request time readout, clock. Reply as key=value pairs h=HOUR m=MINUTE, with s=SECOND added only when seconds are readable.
h=4 m=52
